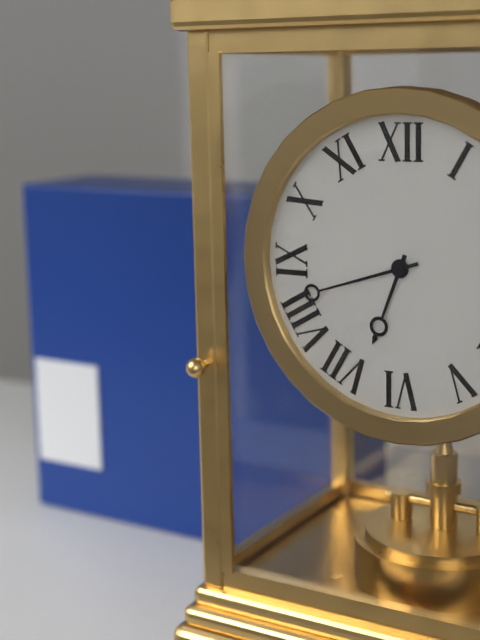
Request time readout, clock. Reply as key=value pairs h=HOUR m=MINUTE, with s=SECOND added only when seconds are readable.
h=6 m=42
